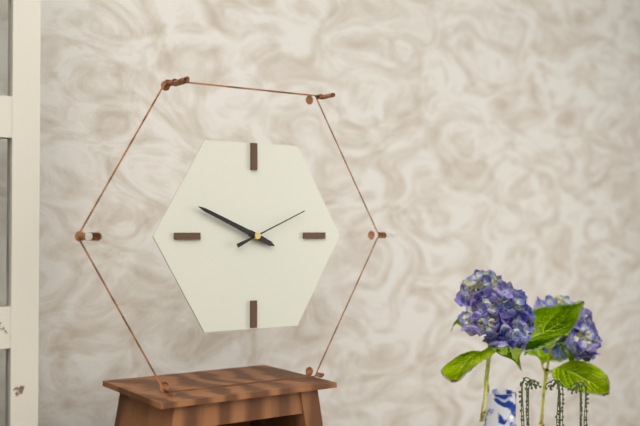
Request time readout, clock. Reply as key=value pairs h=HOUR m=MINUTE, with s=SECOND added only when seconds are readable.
h=3 m=49 s=11
